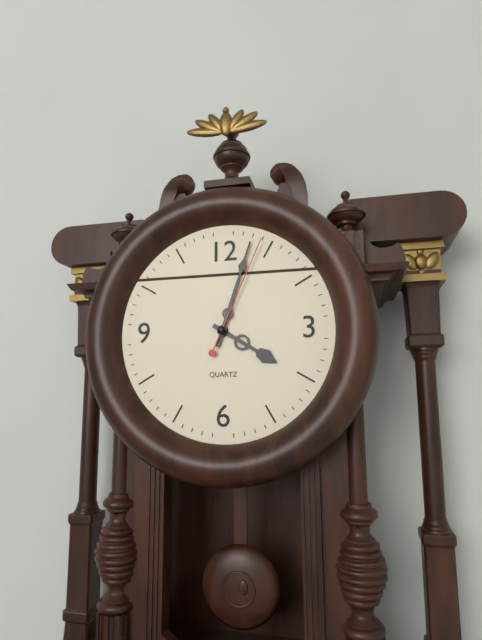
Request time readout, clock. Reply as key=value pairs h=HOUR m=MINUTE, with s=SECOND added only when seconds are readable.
h=4 m=3 s=4
